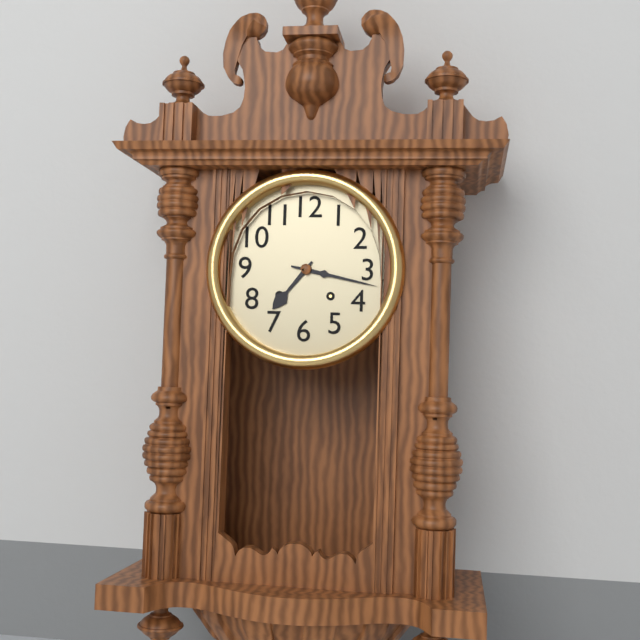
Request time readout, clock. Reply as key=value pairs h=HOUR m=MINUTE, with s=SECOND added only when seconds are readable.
h=7 m=17
